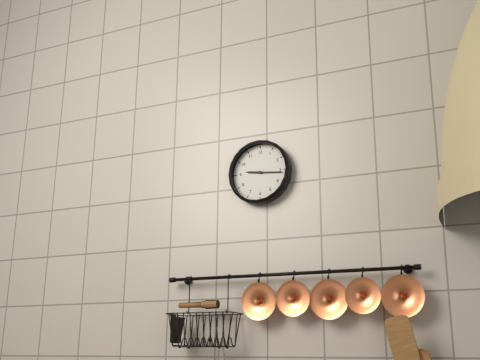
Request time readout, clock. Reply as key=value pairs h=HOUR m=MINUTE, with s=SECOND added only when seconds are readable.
h=9 m=16
